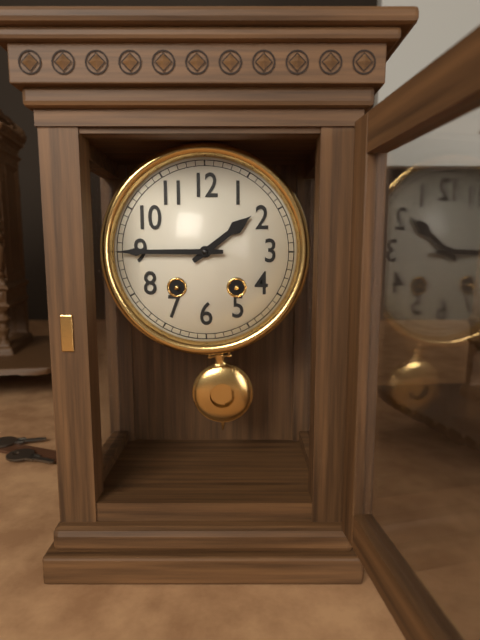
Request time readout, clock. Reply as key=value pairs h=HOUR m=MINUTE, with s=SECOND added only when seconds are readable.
h=1 m=45
